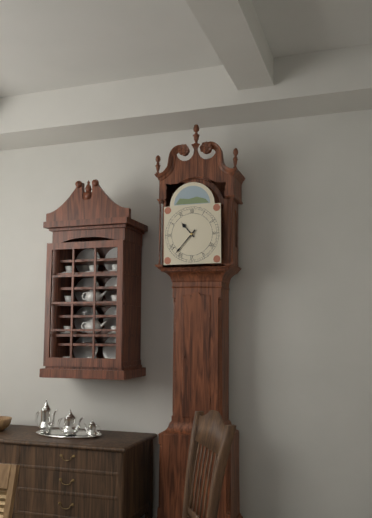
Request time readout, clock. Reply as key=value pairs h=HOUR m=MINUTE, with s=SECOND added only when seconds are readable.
h=10 m=37
